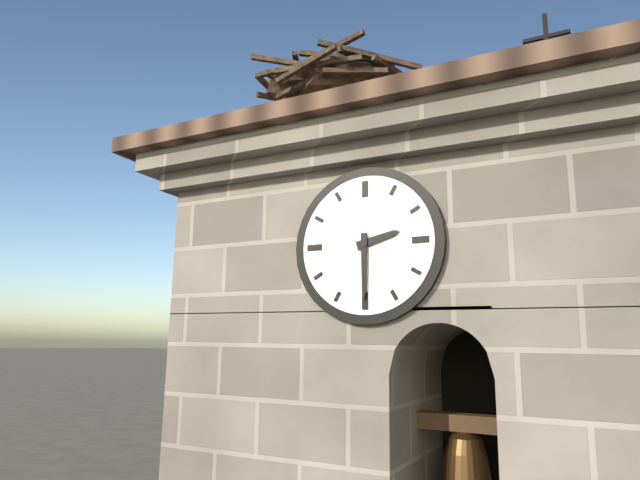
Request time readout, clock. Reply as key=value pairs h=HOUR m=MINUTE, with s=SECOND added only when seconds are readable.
h=2 m=30
